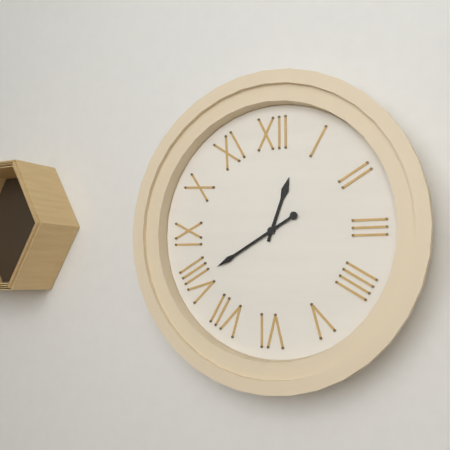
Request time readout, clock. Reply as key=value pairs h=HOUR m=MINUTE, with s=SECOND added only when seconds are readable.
h=12 m=40
